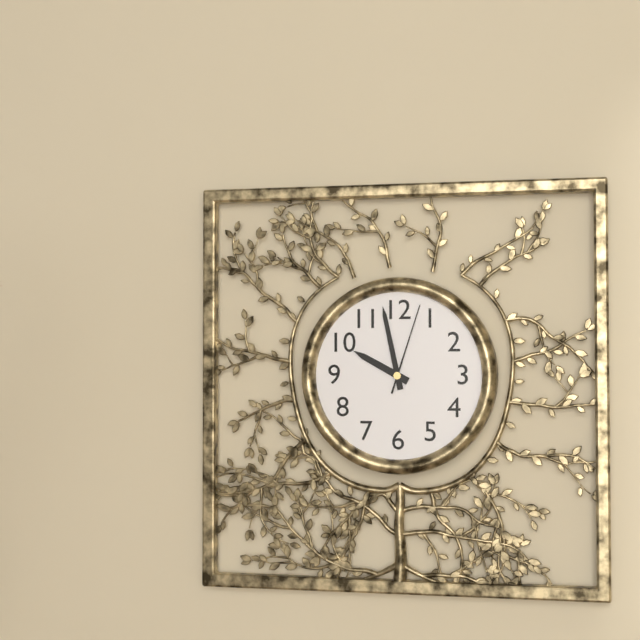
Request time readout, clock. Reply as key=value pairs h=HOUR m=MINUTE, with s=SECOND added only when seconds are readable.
h=9 m=58 s=3
